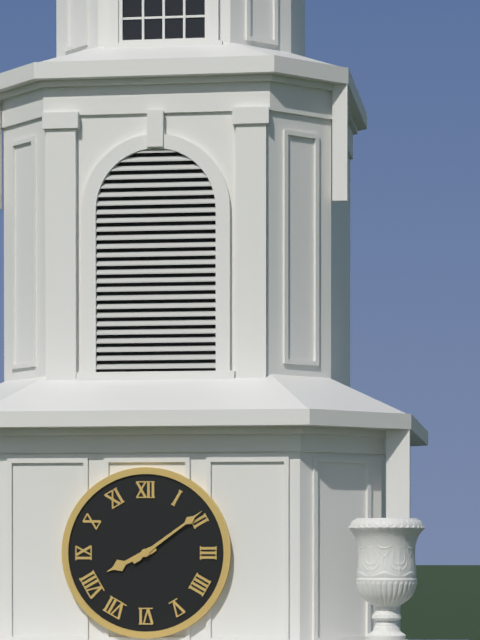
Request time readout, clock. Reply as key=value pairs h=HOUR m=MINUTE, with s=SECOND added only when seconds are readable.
h=8 m=9
